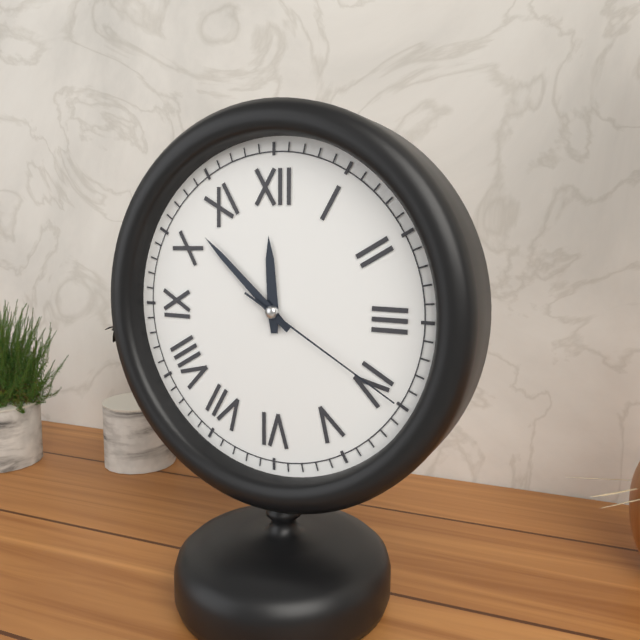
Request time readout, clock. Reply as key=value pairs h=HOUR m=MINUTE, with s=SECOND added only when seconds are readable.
h=11 m=52 s=20
